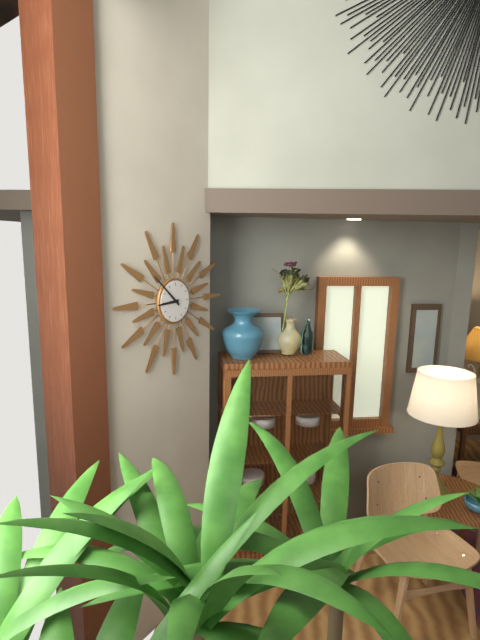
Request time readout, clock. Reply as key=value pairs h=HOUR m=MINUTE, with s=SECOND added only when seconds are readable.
h=8 m=52
